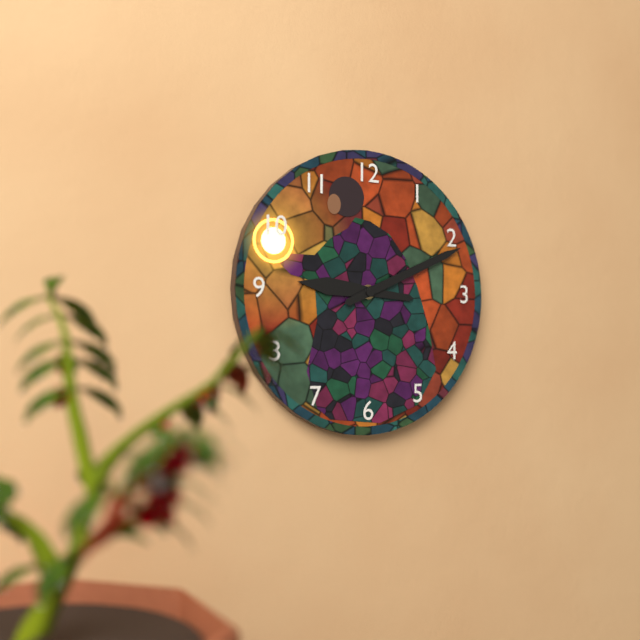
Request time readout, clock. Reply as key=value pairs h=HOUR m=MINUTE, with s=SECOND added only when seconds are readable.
h=9 m=11
